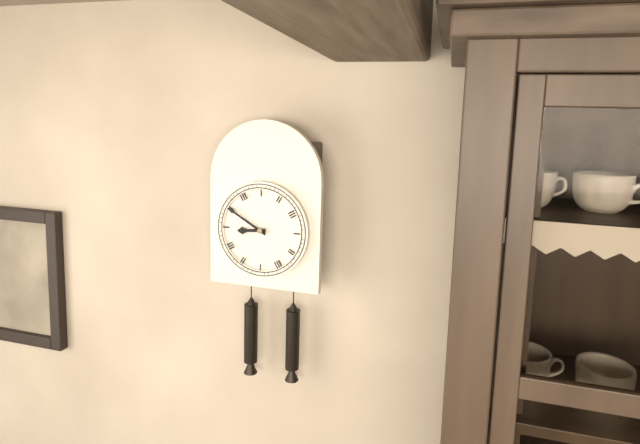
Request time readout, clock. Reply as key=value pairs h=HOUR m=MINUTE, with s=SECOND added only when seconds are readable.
h=8 m=50
